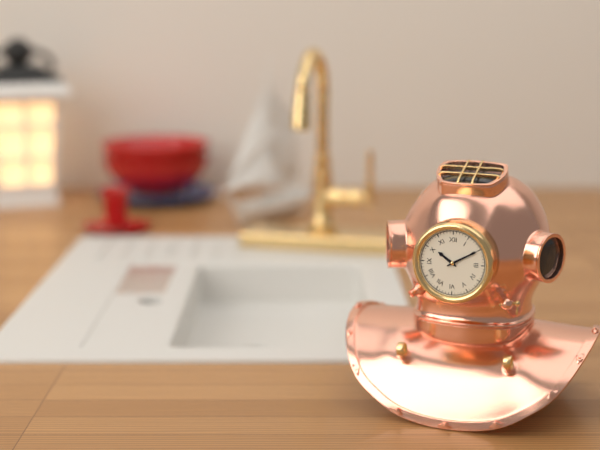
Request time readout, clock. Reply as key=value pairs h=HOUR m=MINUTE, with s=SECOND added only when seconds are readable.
h=10 m=10
